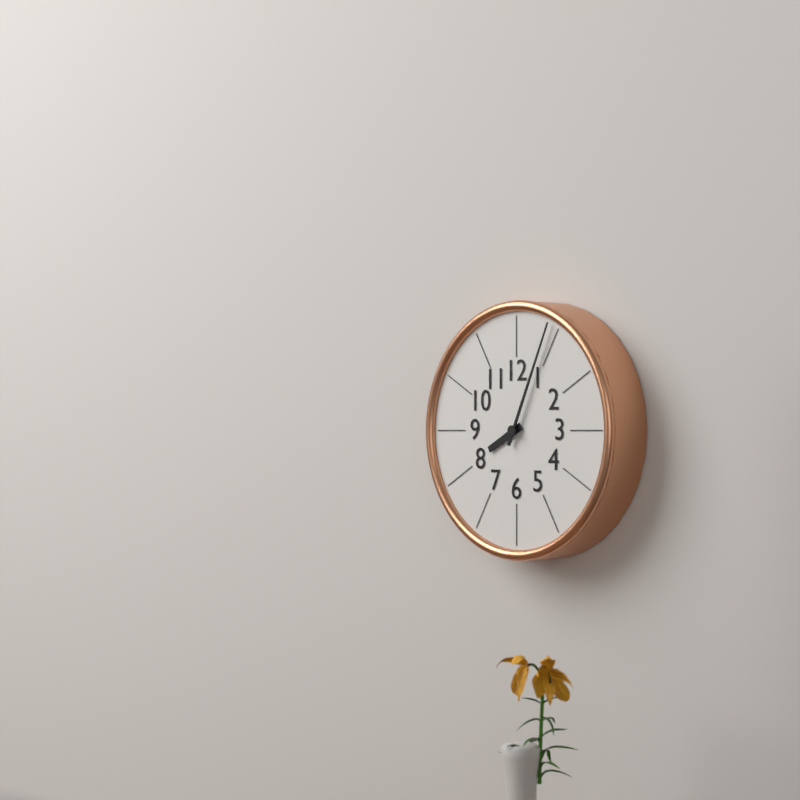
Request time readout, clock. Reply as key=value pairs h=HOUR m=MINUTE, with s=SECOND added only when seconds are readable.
h=8 m=4
